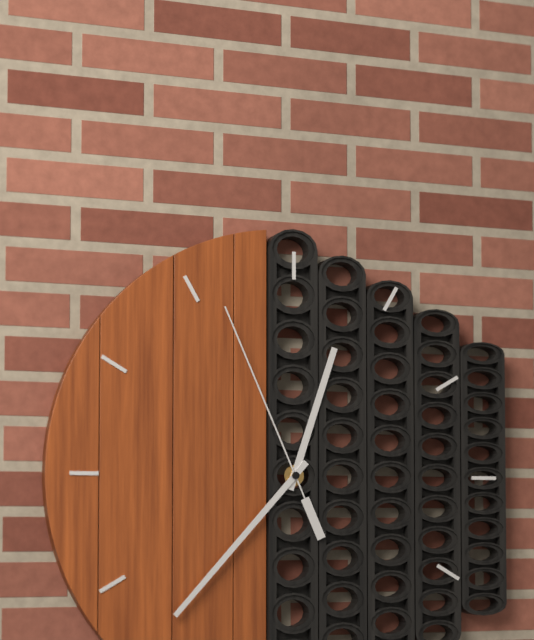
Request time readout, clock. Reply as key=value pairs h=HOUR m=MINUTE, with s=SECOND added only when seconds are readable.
h=12 m=37 s=56
